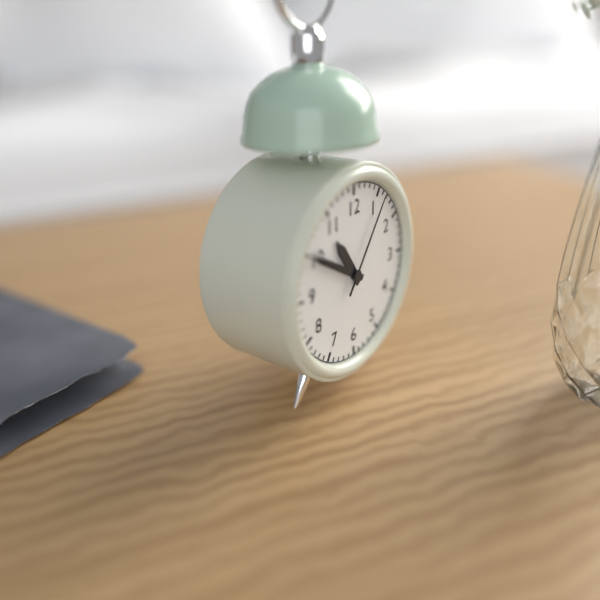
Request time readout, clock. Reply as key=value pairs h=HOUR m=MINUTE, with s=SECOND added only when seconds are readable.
h=10 m=50 s=6
